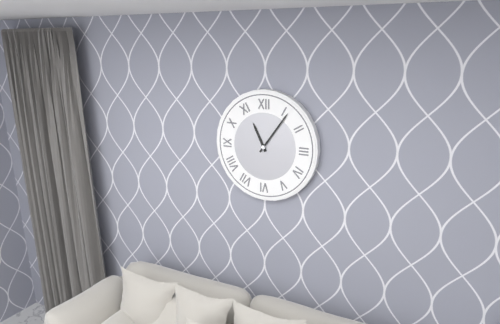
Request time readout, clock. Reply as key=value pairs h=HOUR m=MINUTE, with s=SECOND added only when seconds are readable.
h=11 m=6
